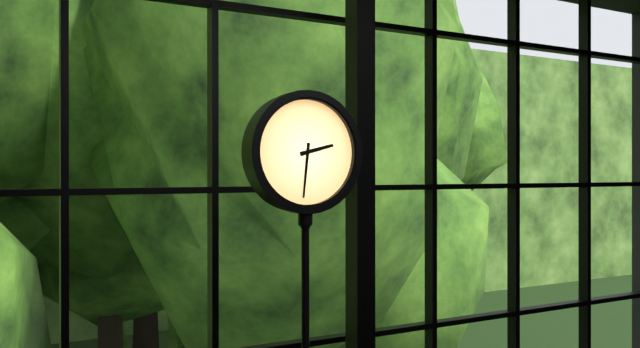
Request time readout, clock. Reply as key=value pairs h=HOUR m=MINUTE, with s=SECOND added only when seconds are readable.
h=2 m=31
